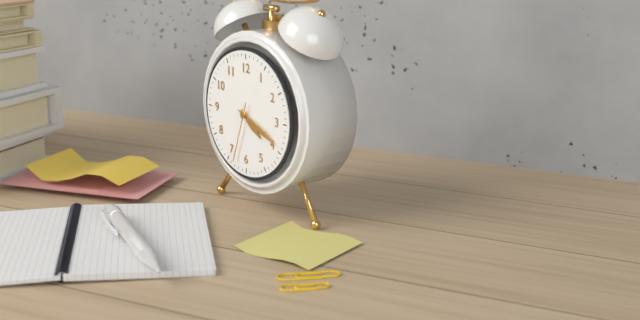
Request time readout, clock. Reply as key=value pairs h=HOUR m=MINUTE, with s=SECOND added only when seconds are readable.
h=4 m=19 s=33
